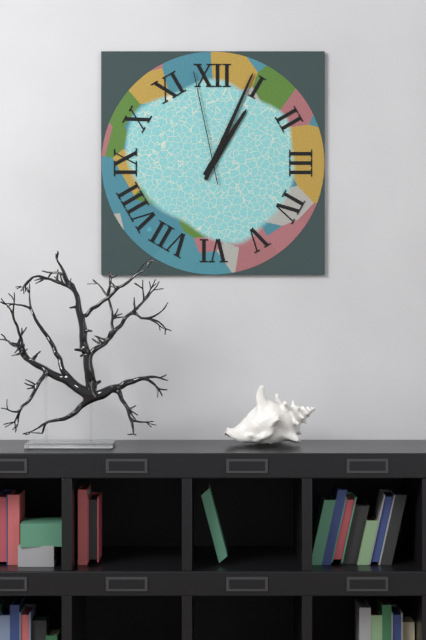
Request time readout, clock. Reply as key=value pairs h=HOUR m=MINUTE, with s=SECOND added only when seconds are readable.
h=1 m=4 s=58
